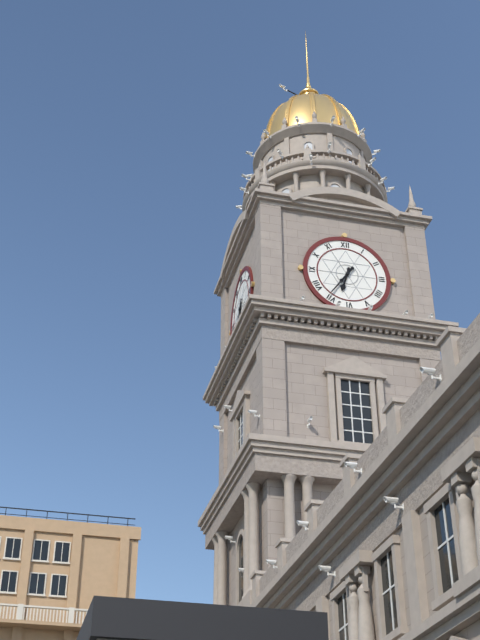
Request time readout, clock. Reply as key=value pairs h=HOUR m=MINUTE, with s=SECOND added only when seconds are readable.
h=6 m=36
